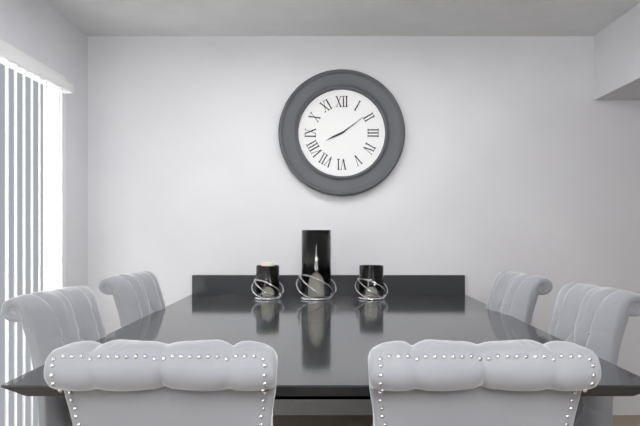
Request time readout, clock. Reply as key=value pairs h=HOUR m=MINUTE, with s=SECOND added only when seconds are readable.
h=8 m=9
